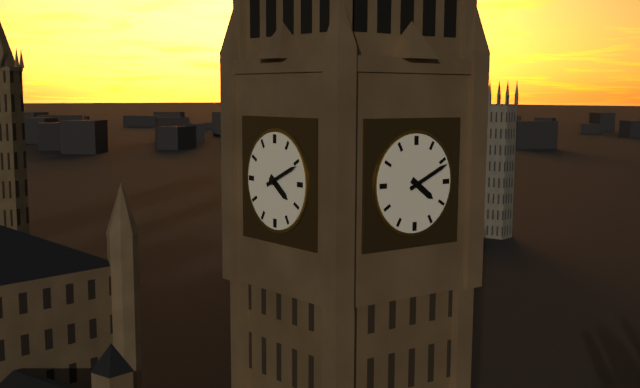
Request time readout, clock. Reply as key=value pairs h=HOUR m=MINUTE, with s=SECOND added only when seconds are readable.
h=4 m=11
